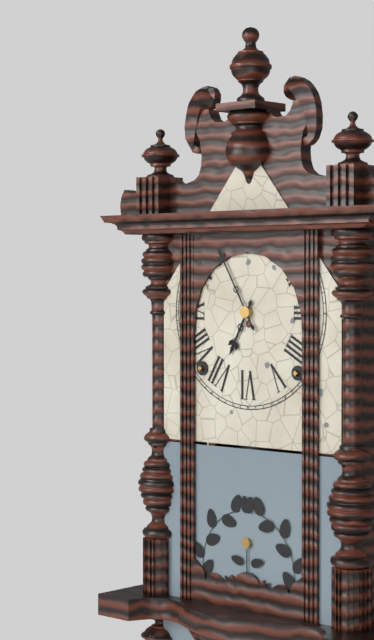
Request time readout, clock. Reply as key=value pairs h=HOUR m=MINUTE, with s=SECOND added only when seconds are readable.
h=6 m=55
